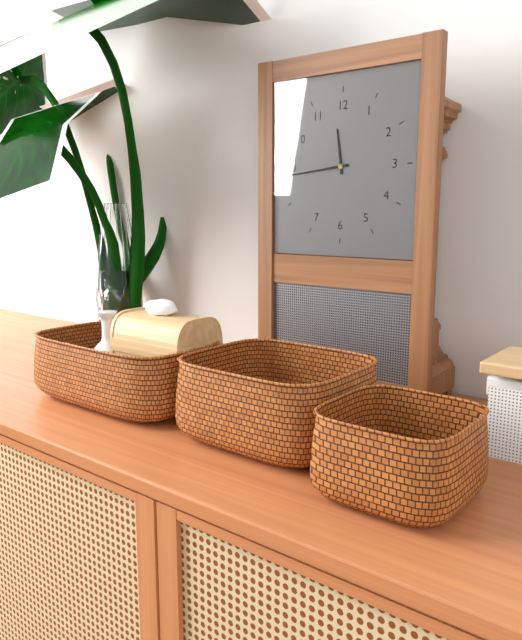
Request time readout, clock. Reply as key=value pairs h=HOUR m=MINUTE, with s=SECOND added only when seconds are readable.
h=11 m=44
